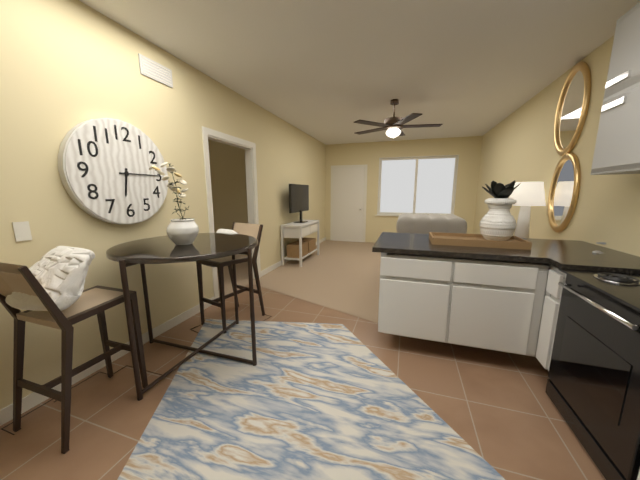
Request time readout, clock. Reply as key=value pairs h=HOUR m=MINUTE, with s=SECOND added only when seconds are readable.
h=6 m=15
